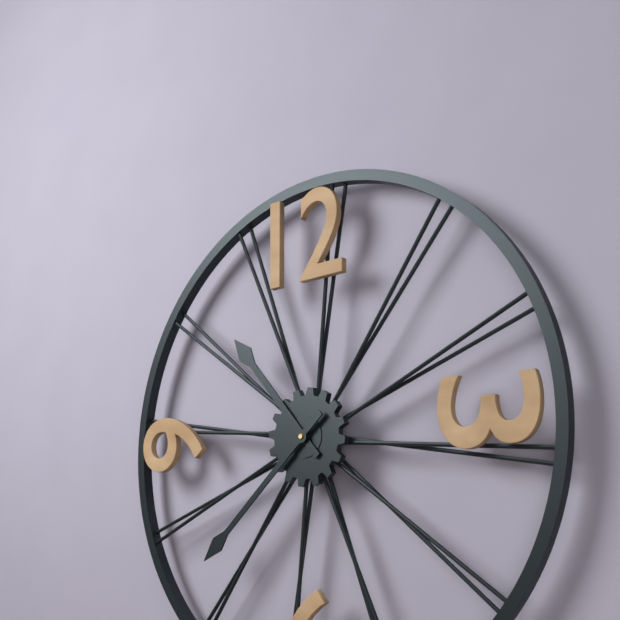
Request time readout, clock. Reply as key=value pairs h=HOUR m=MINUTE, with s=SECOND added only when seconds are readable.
h=10 m=38
